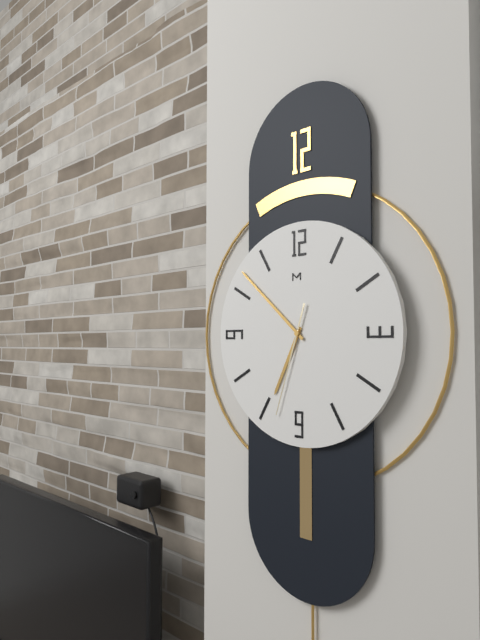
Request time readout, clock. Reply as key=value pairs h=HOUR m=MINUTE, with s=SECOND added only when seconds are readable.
h=6 m=52 s=33
